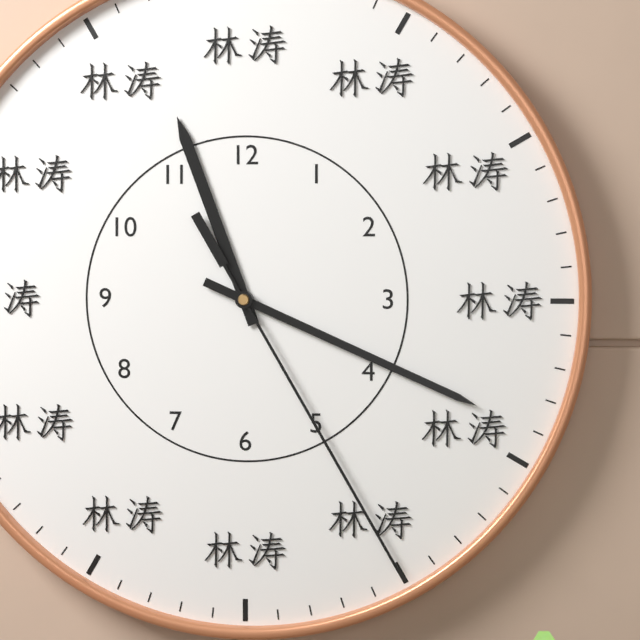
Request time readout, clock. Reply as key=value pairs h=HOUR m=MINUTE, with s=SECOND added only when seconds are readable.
h=11 m=19 s=25
